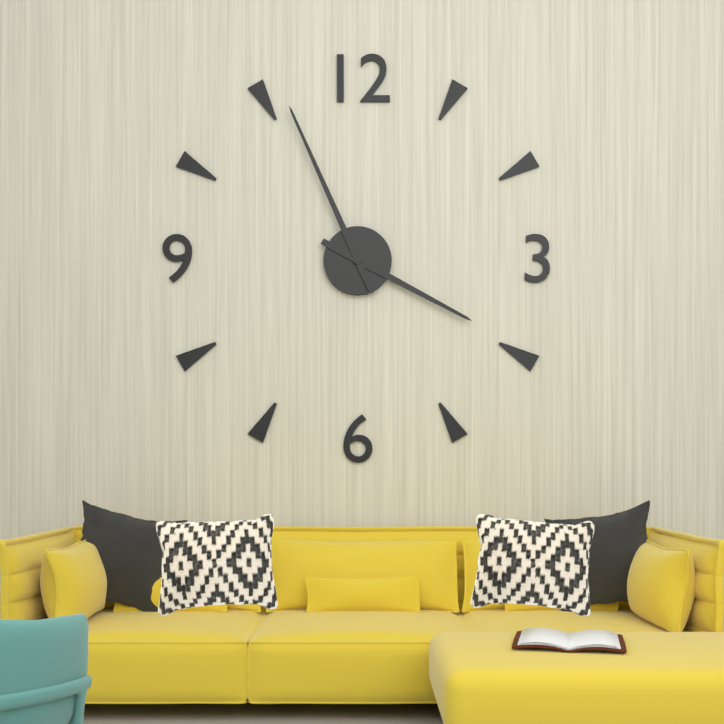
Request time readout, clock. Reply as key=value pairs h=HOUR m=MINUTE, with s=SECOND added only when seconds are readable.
h=3 m=56
